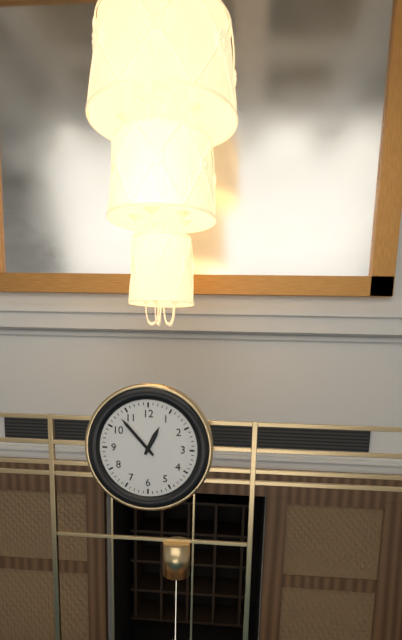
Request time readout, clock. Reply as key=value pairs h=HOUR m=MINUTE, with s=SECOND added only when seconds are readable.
h=12 m=53
